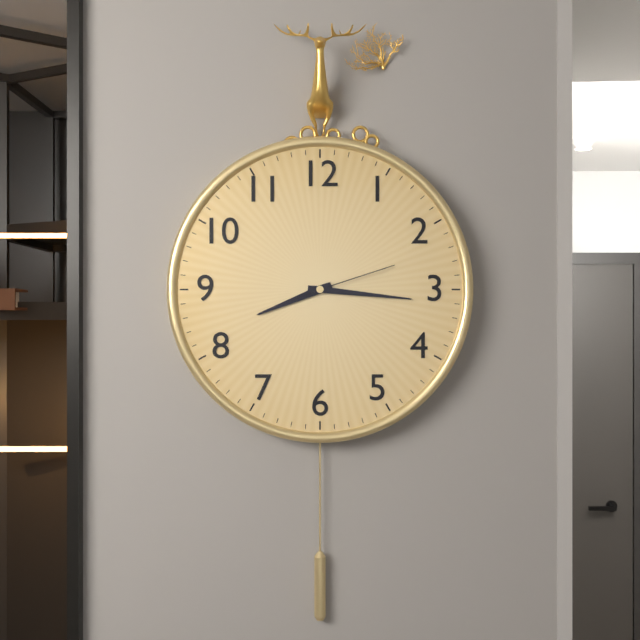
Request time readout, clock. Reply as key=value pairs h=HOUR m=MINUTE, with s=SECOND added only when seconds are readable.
h=8 m=16 s=12
